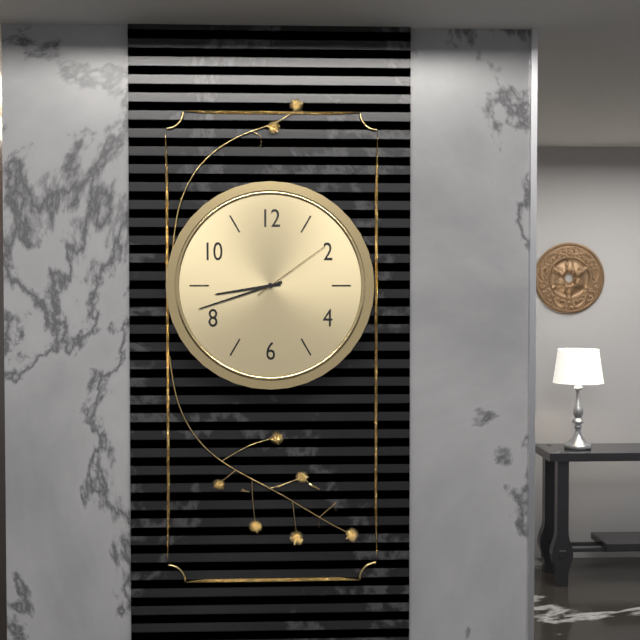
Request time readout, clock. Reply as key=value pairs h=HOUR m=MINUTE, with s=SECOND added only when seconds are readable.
h=8 m=42 s=9
